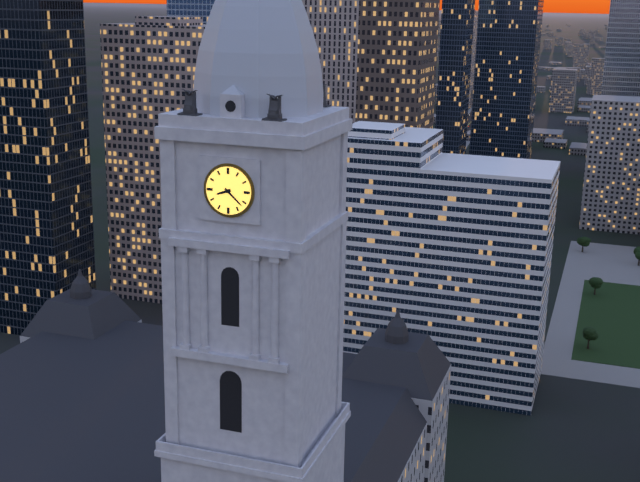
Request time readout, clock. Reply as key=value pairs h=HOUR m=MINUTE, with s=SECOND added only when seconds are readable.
h=8 m=22
